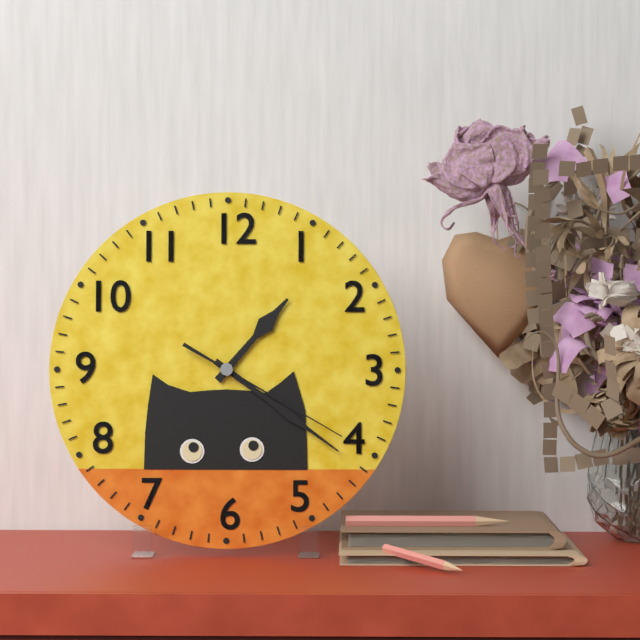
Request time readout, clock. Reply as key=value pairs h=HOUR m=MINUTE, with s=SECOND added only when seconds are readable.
h=1 m=21 s=20
